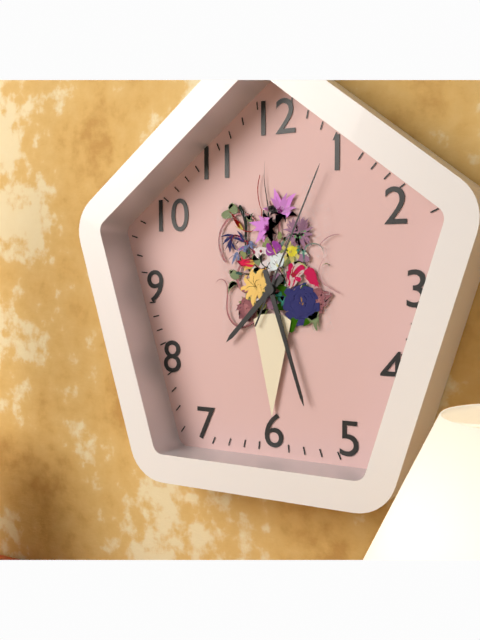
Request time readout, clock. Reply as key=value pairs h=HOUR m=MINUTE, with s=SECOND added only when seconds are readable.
h=7 m=27 s=4
